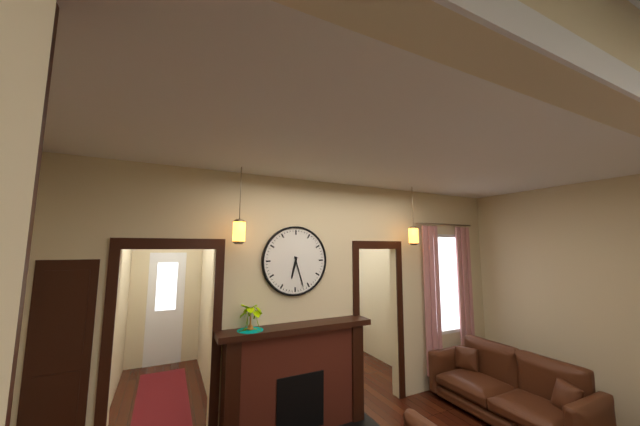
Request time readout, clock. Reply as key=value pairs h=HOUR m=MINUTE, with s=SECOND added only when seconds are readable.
h=6 m=27
